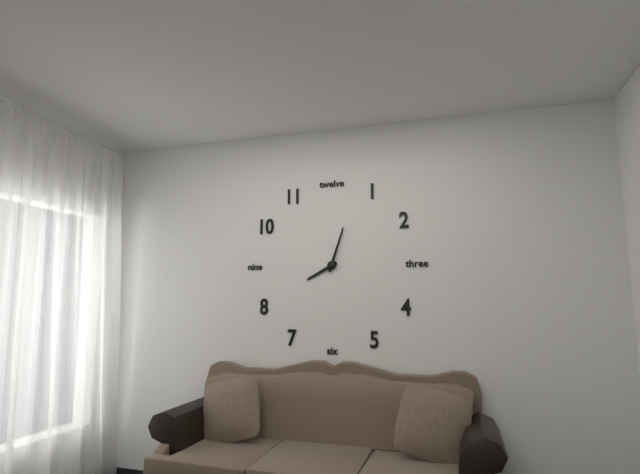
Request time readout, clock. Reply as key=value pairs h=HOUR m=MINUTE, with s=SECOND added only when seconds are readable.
h=8 m=3
